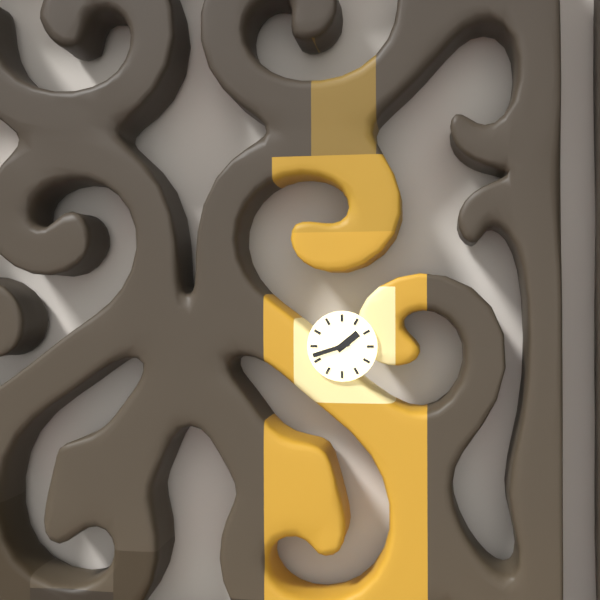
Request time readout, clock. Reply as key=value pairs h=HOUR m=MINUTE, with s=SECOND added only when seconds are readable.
h=1 m=42
